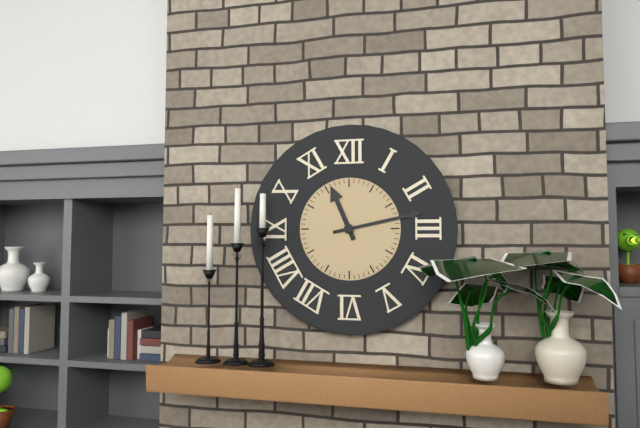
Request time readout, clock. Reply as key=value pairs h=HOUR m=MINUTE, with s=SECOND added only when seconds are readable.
h=11 m=13
